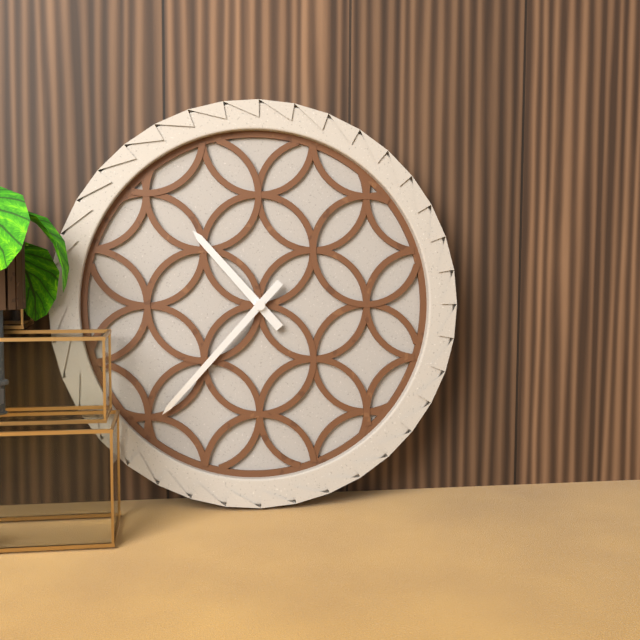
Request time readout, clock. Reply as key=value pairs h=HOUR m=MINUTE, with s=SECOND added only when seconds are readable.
h=10 m=37
